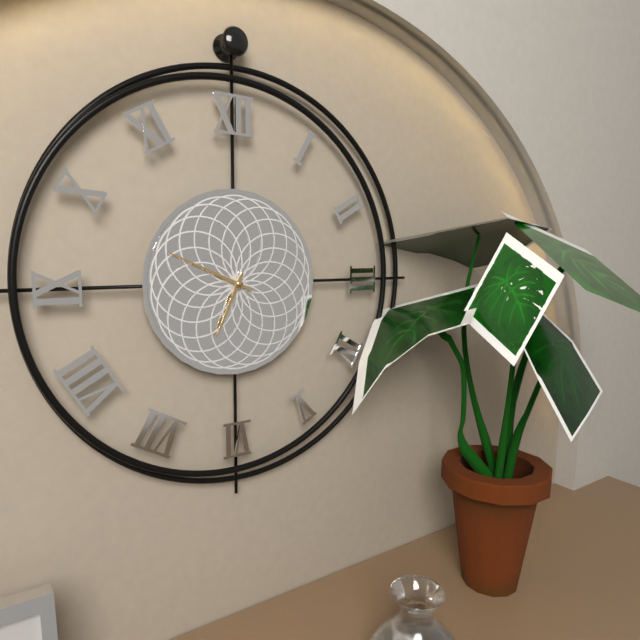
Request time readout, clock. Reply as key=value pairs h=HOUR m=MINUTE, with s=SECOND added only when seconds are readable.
h=6 m=49
